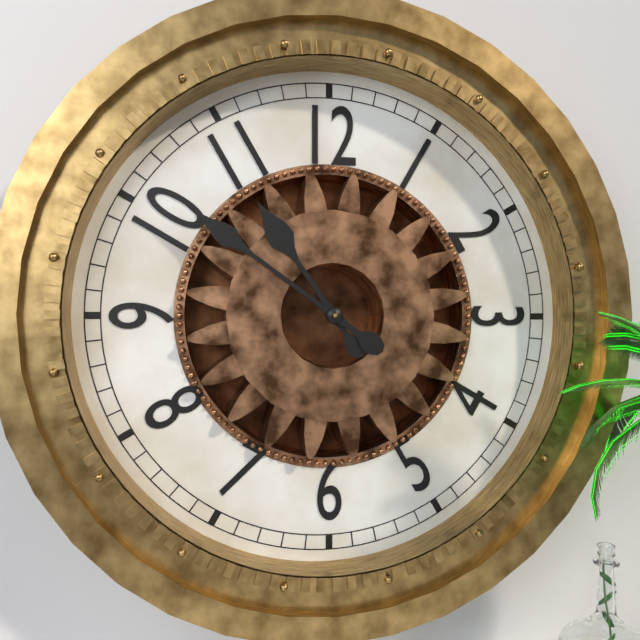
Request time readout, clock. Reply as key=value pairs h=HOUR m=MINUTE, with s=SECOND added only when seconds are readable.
h=10 m=51
